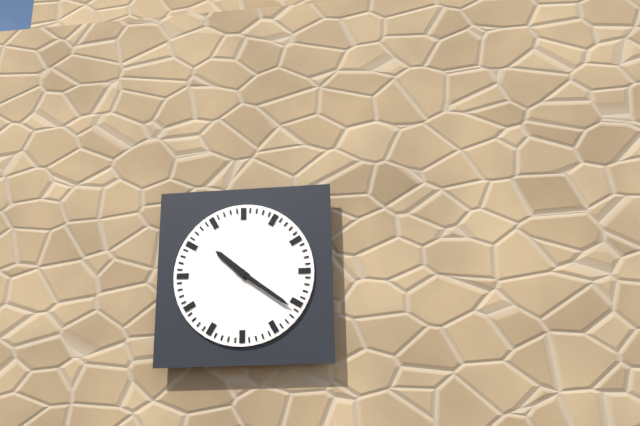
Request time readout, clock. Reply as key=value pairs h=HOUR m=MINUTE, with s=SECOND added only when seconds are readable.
h=10 m=21
